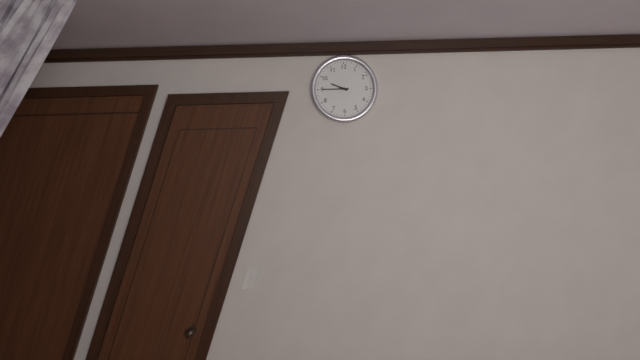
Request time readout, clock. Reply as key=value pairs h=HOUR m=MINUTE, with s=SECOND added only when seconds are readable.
h=9 m=45
